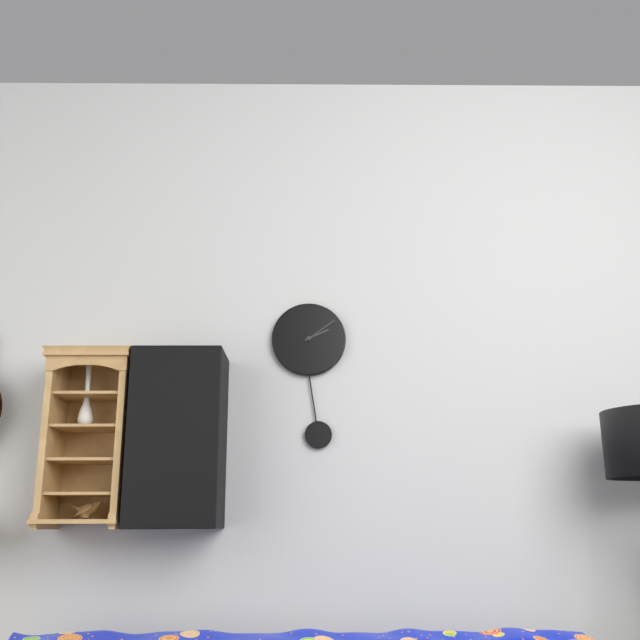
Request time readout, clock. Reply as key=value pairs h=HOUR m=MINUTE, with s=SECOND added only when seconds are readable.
h=2 m=9
